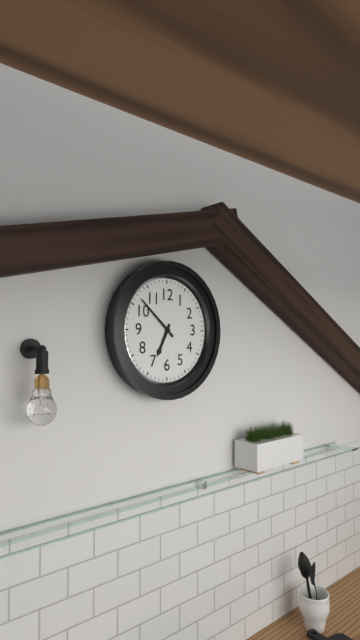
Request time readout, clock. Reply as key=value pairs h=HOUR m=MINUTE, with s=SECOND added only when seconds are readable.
h=6 m=52
